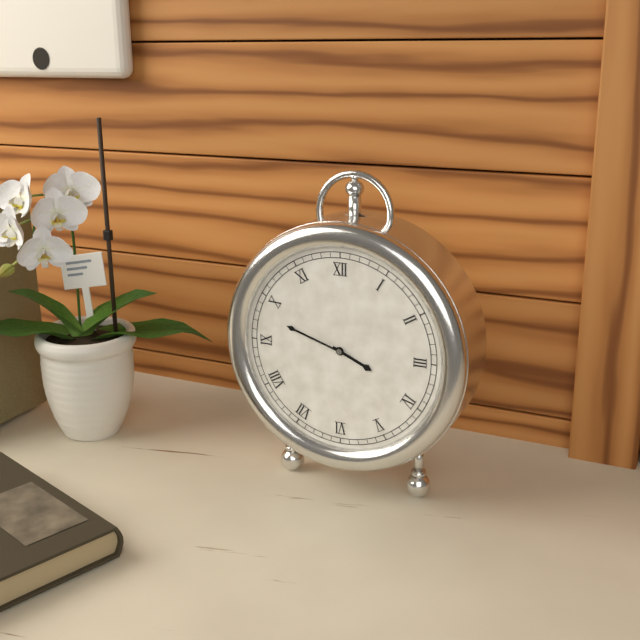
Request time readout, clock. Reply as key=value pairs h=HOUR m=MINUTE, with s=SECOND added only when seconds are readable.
h=3 m=48
